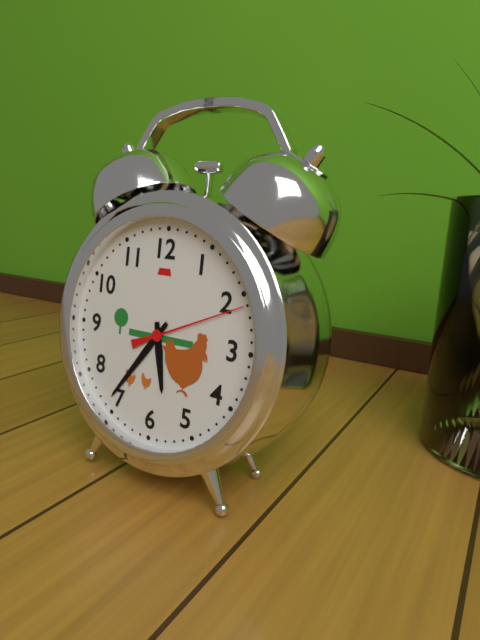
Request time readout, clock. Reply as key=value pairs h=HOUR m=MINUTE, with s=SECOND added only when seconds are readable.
h=5 m=36 s=11
